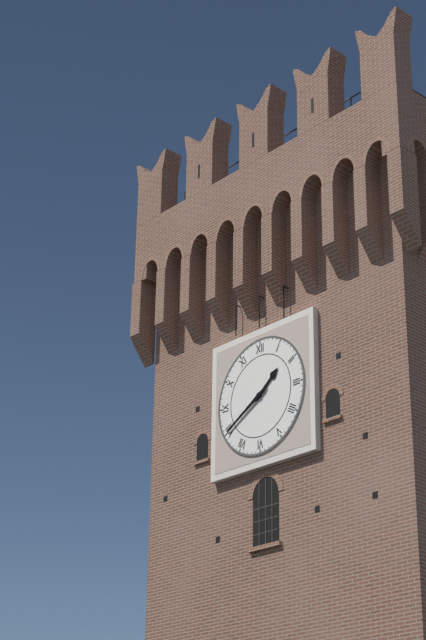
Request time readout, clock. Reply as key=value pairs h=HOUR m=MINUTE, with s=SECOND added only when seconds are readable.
h=1 m=40
